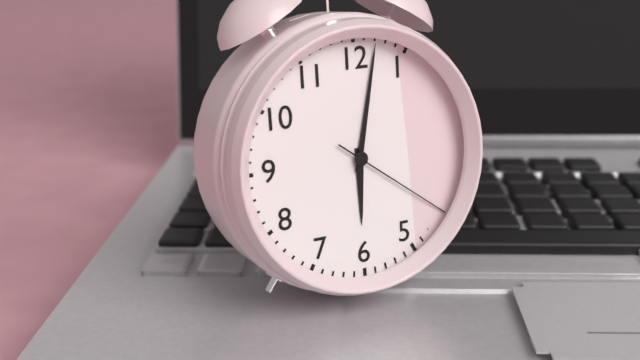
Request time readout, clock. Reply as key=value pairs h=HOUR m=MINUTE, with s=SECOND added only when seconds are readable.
h=6 m=2 s=21
